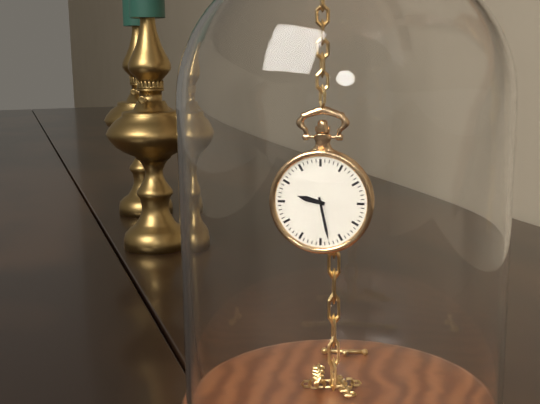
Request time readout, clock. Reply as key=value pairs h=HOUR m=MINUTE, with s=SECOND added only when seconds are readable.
h=9 m=28
